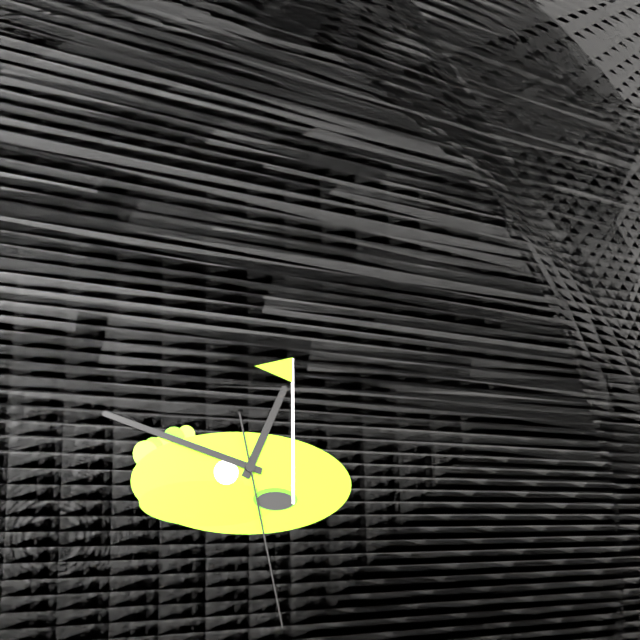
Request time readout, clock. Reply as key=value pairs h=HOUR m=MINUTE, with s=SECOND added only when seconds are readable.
h=12 m=48 s=28
